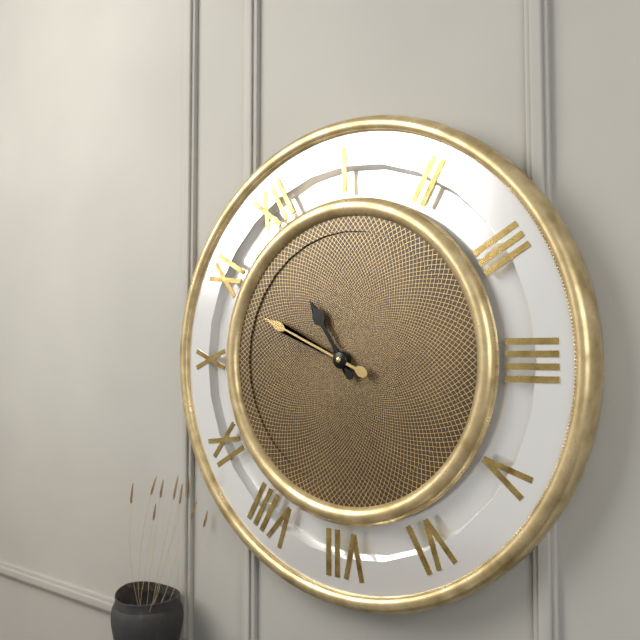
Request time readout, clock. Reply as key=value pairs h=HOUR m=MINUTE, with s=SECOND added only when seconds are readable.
h=11 m=54
